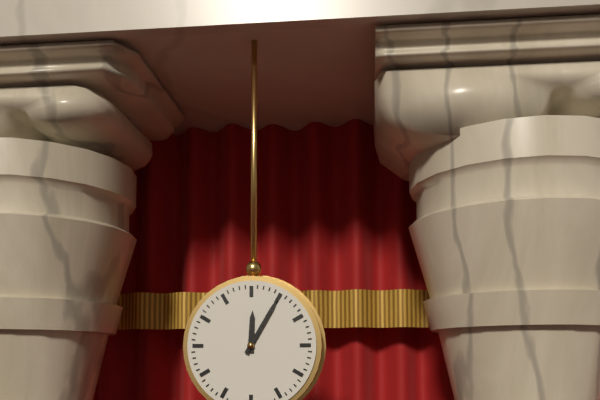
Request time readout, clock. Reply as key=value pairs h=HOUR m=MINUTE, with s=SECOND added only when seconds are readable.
h=12 m=5
